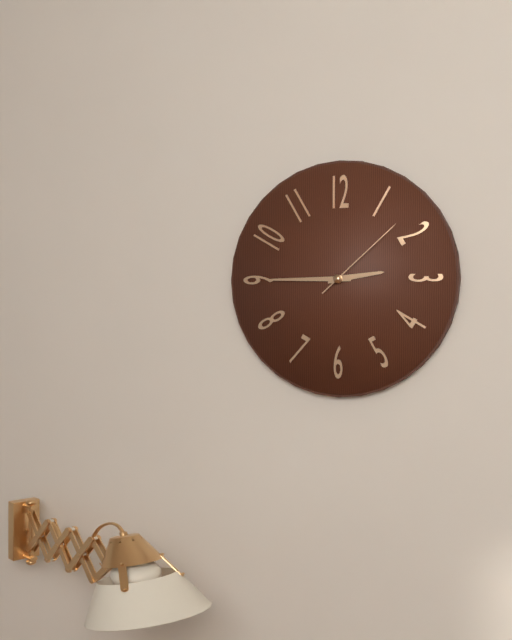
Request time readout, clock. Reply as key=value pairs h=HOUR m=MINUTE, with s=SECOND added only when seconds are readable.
h=2 m=45 s=8
